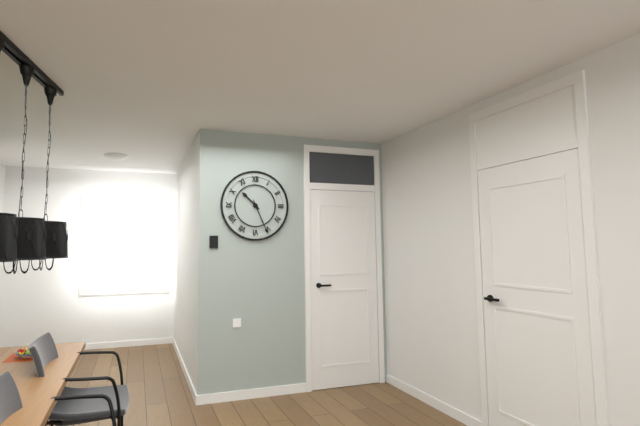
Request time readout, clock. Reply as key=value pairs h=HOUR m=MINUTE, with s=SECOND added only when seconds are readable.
h=10 m=26
